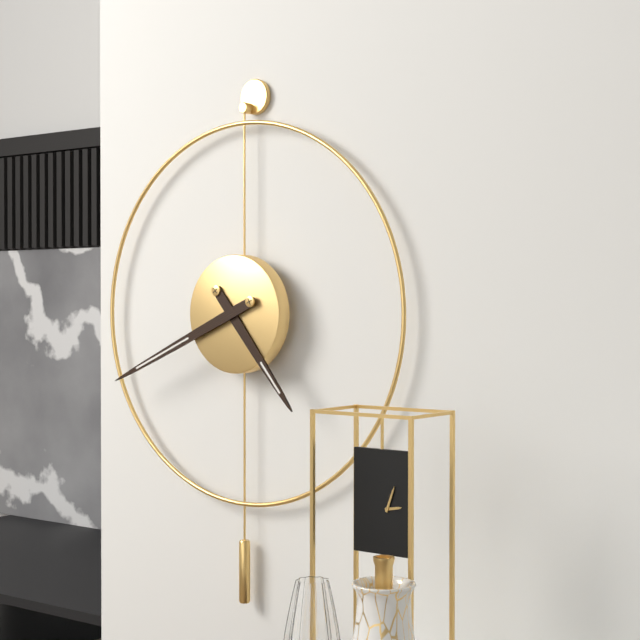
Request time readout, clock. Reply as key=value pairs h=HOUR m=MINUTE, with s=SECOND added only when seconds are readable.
h=4 m=41
